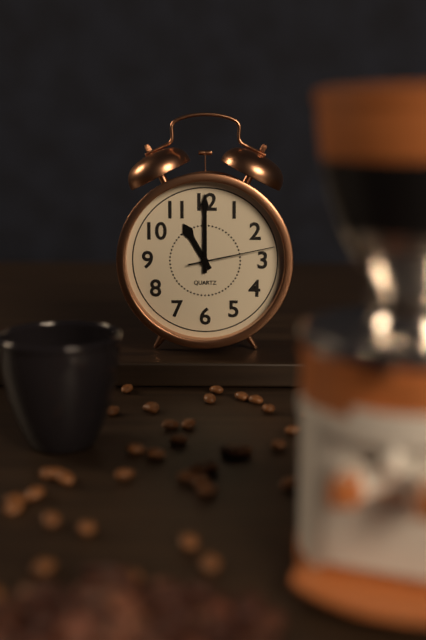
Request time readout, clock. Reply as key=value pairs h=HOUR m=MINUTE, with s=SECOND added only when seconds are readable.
h=11 m=0 s=13
